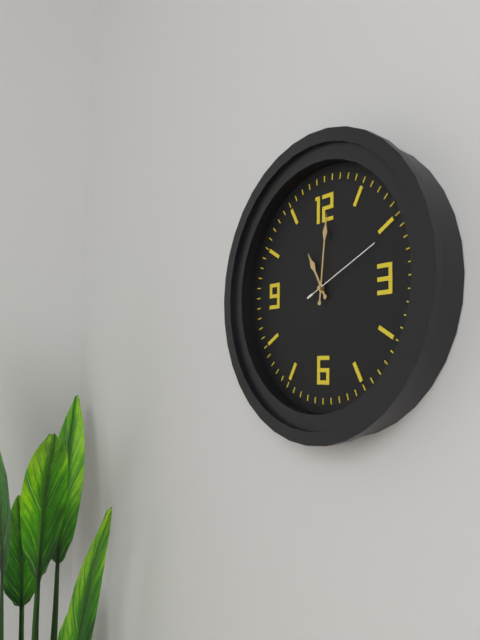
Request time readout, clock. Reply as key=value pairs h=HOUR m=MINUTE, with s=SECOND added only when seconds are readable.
h=11 m=1 s=11
